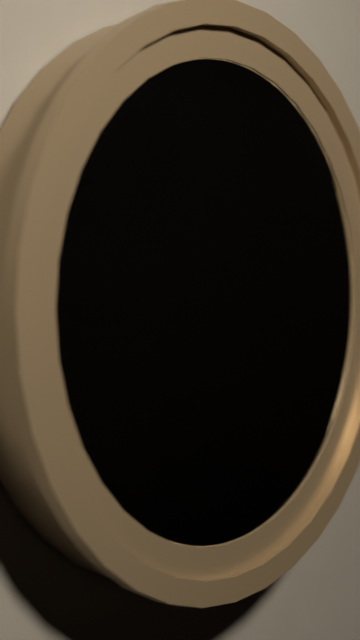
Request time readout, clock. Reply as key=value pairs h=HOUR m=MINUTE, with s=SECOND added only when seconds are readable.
h=7 m=29 s=41
